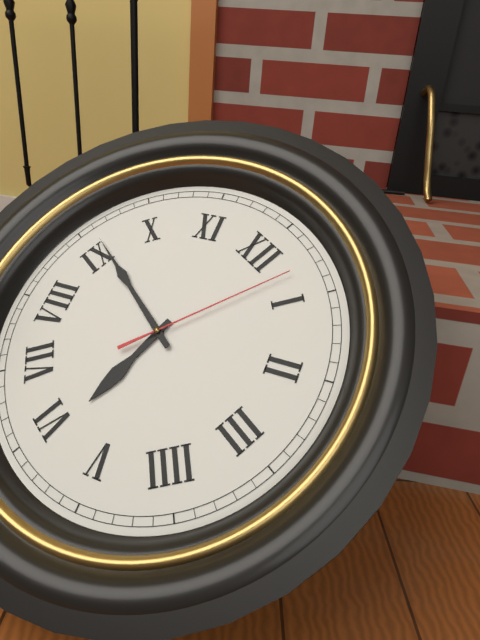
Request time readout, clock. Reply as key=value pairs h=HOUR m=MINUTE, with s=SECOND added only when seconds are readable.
h=5 m=46 s=3
